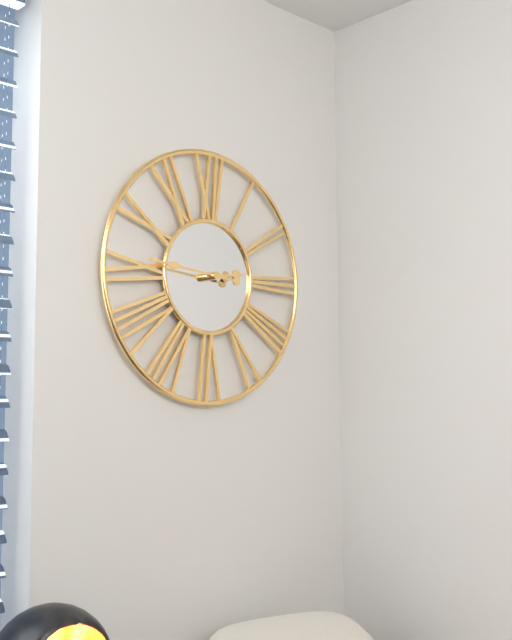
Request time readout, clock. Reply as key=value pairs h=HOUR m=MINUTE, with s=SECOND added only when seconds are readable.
h=2 m=46
